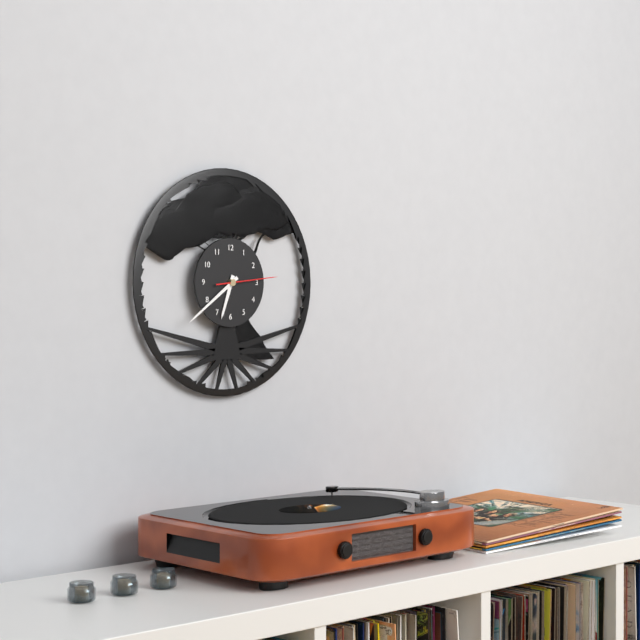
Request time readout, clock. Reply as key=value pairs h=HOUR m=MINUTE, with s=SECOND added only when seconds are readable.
h=6 m=39 s=14
